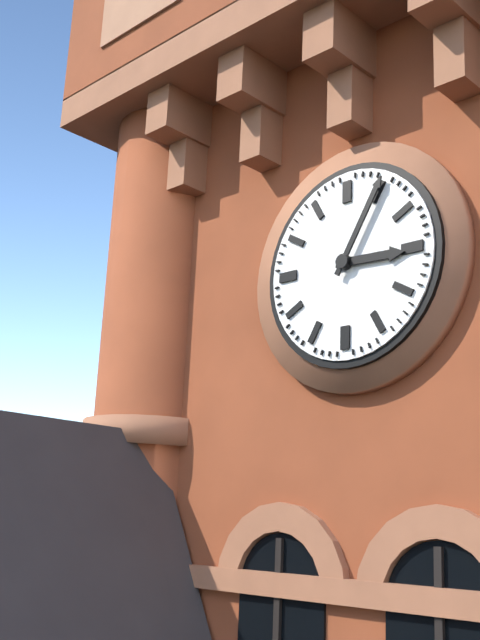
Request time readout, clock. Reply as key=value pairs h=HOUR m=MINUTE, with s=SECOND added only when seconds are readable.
h=3 m=5
